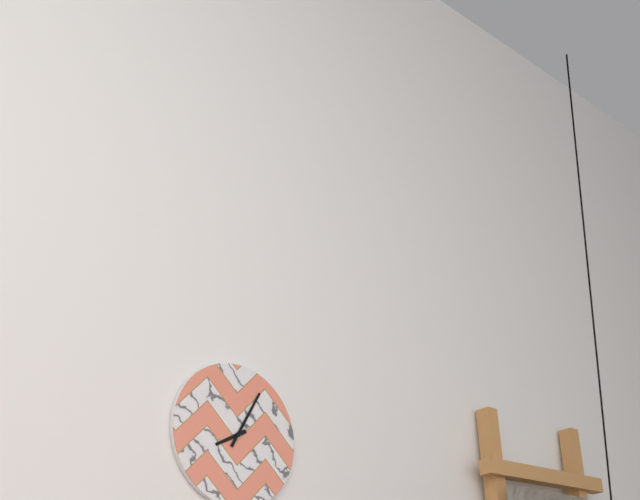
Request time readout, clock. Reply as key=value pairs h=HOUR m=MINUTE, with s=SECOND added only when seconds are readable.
h=8 m=5
